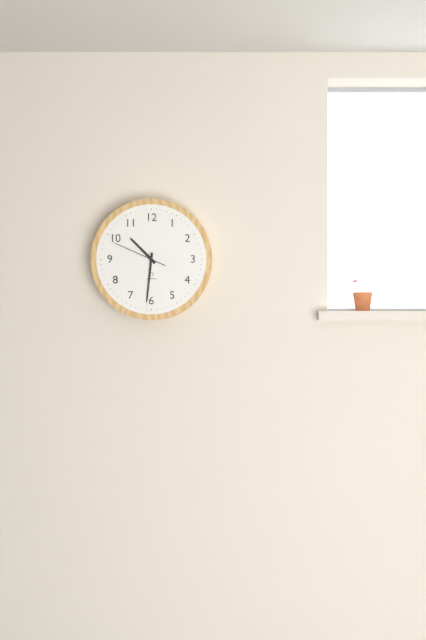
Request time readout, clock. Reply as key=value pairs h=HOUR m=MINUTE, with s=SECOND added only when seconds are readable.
h=10 m=31 s=49
